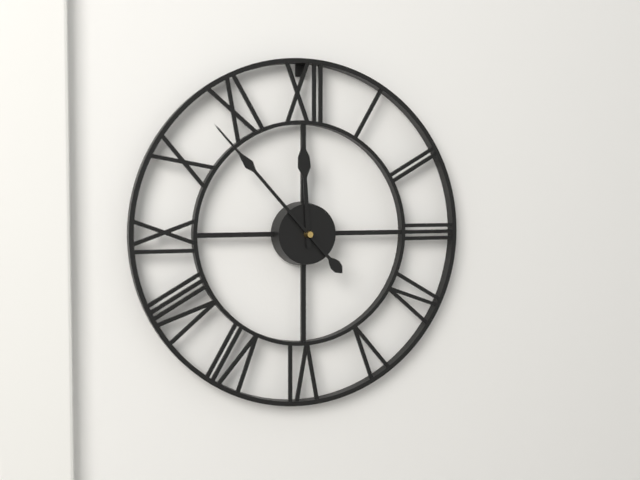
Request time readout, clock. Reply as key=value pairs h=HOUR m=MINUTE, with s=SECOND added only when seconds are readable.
h=11 m=53
